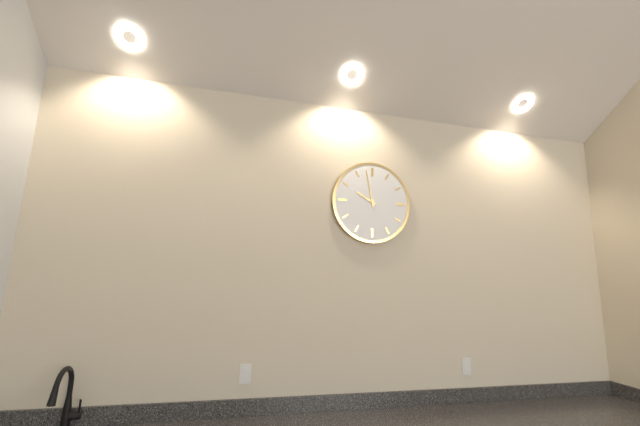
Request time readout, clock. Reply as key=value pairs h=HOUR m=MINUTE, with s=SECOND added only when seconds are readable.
h=9 m=58
